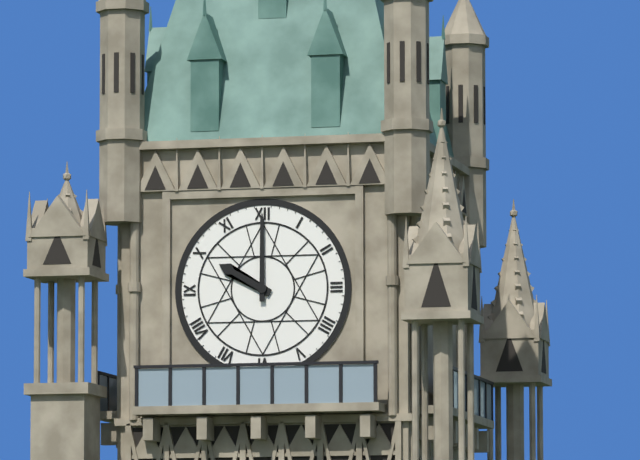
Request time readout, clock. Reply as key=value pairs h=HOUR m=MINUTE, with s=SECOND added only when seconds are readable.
h=10 m=0
